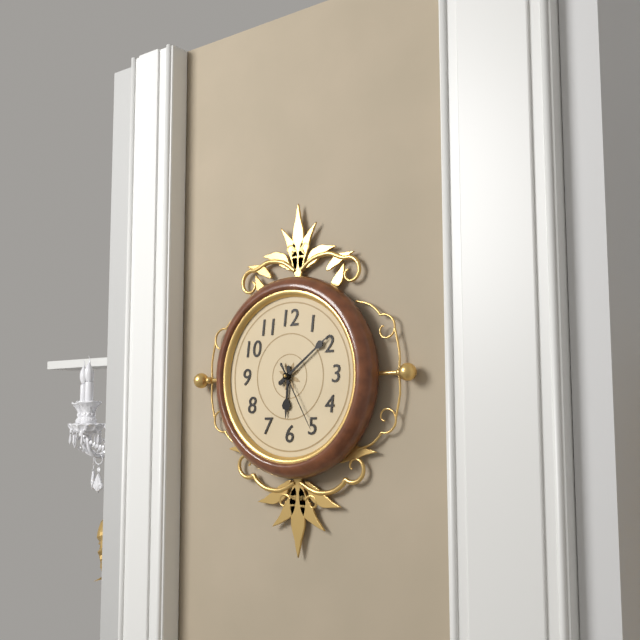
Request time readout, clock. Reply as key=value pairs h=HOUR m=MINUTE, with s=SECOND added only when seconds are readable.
h=6 m=9 s=25
